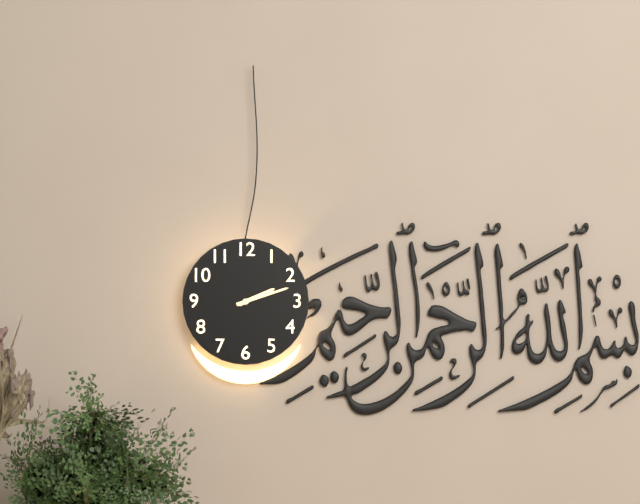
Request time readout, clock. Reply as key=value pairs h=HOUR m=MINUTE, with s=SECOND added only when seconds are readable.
h=2 m=12
